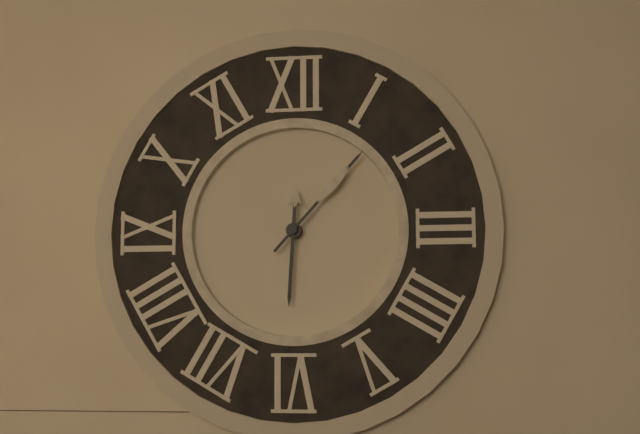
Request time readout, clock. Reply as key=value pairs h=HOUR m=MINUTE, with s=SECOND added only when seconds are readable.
h=6 m=7
